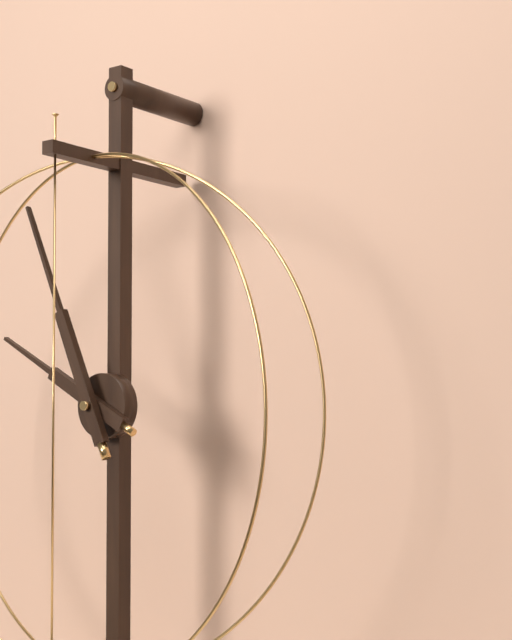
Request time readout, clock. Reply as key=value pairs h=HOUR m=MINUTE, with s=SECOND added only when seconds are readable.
h=9 m=56
